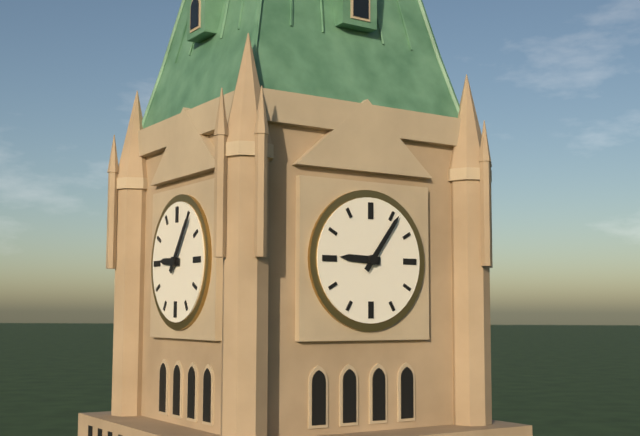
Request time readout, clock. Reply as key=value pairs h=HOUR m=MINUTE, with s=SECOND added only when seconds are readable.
h=9 m=6
